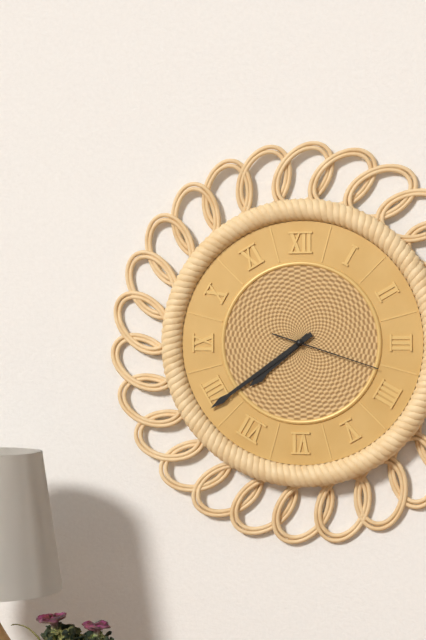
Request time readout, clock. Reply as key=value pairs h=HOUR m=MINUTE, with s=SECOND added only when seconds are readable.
h=7 m=39 s=18
